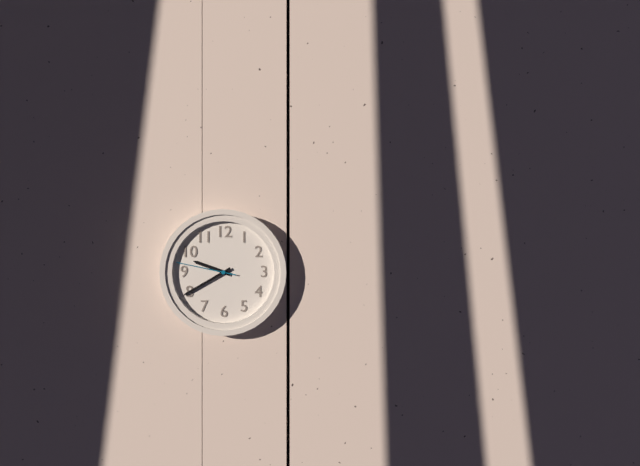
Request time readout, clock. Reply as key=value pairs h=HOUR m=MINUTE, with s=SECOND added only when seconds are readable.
h=9 m=40 s=47
